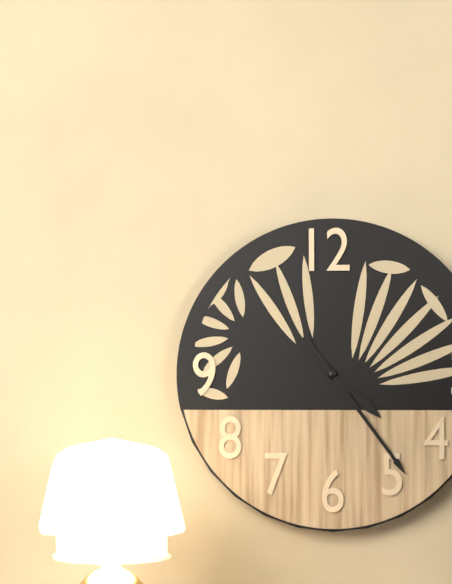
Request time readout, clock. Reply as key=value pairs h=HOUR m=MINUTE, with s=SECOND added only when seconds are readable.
h=4 m=24
